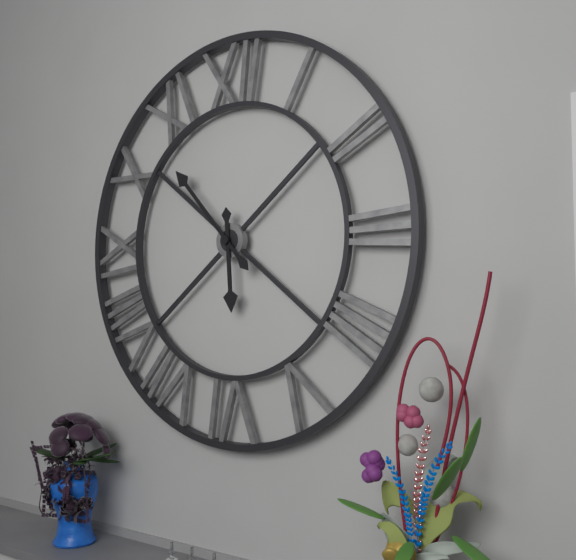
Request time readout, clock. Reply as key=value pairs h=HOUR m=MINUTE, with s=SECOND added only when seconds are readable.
h=5 m=53
